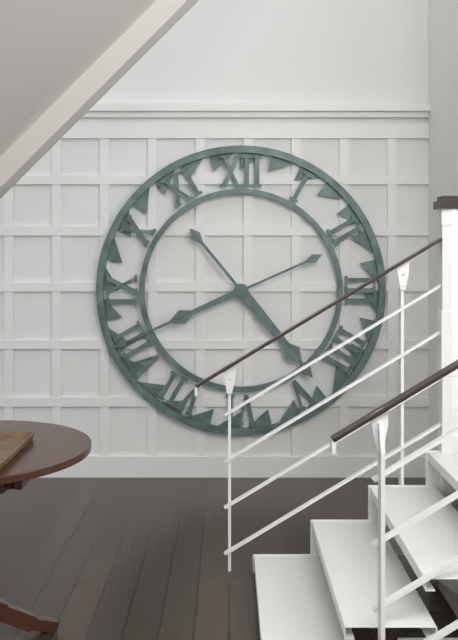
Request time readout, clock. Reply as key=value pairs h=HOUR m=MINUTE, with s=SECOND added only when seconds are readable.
h=4 m=41
